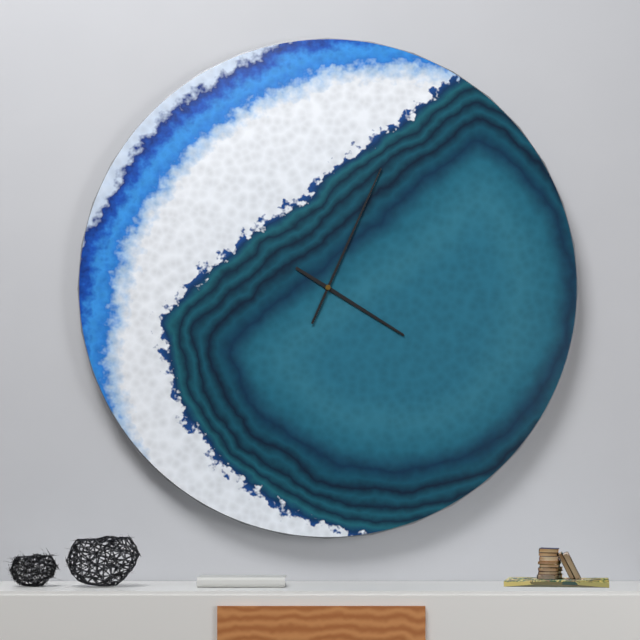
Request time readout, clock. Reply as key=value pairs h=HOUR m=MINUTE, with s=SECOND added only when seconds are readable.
h=4 m=4
